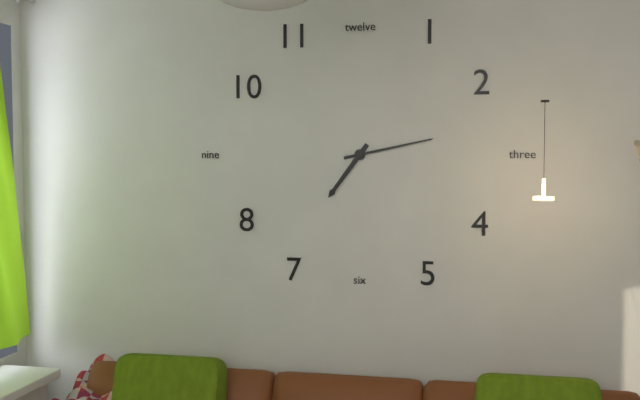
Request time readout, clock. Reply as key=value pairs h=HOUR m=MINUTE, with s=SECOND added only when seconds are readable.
h=7 m=13
